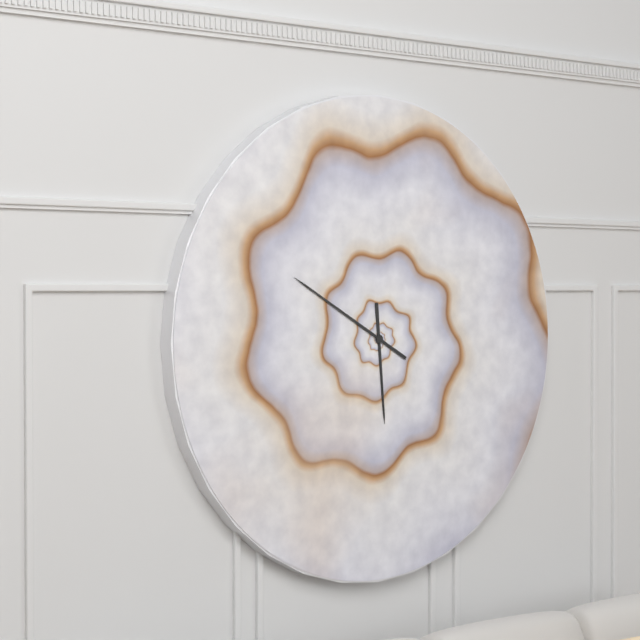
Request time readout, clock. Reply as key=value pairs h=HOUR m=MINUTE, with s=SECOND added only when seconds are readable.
h=5 m=50
